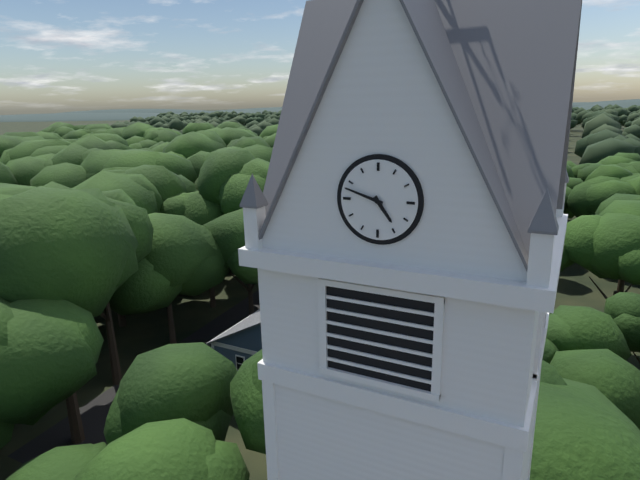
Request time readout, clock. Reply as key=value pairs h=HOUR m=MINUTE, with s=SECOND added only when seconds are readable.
h=4 m=48
